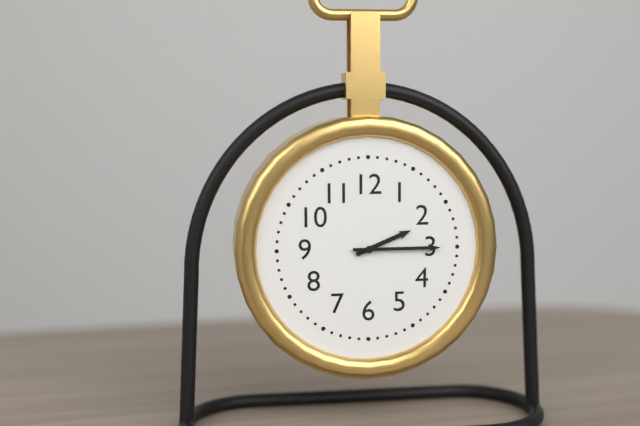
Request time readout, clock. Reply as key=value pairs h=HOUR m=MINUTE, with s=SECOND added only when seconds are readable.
h=2 m=15
